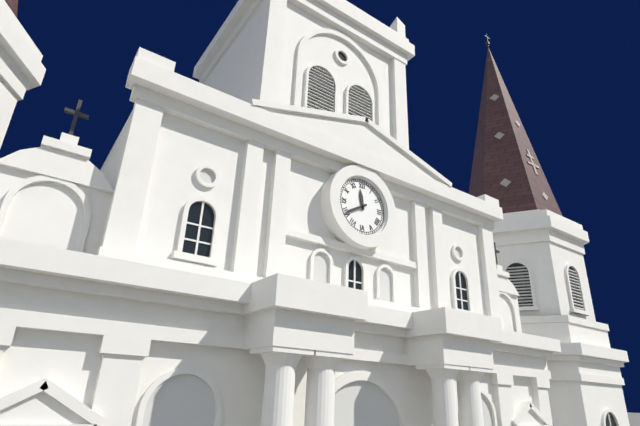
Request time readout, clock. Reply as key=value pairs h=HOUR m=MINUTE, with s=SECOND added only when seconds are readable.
h=11 m=40
